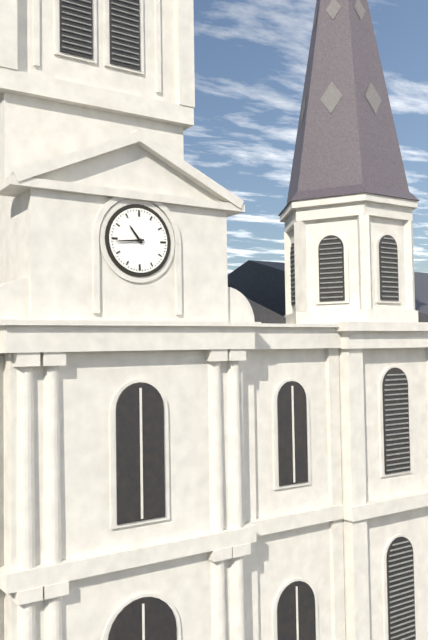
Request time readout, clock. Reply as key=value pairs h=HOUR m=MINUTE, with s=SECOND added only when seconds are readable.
h=10 m=44
